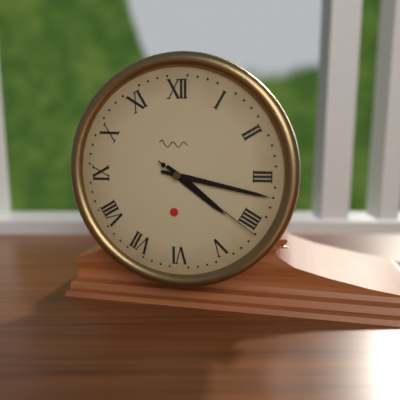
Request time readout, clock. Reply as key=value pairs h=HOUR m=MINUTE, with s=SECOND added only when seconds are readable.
h=4 m=17 s=21
